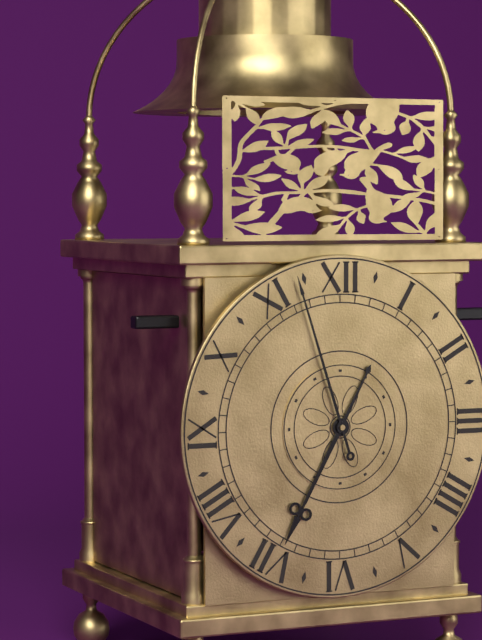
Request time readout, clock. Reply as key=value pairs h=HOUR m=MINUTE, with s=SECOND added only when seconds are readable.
h=6 m=57
